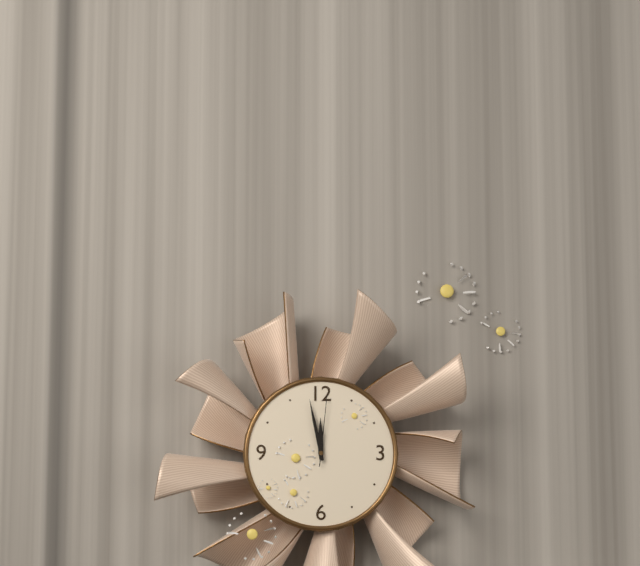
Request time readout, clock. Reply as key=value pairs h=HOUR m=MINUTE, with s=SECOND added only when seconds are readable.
h=11 m=58 s=1
